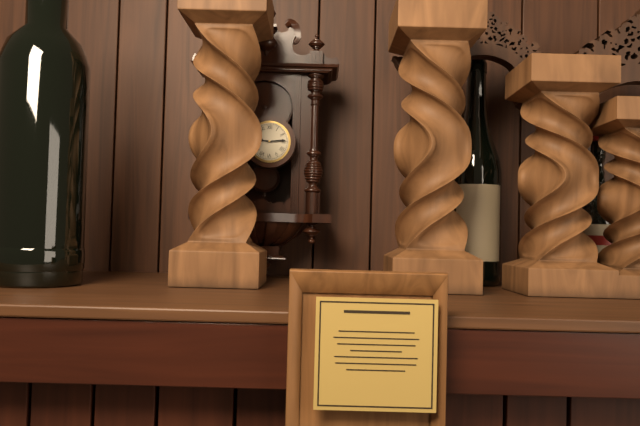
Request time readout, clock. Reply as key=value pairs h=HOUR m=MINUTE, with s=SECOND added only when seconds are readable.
h=9 m=14
